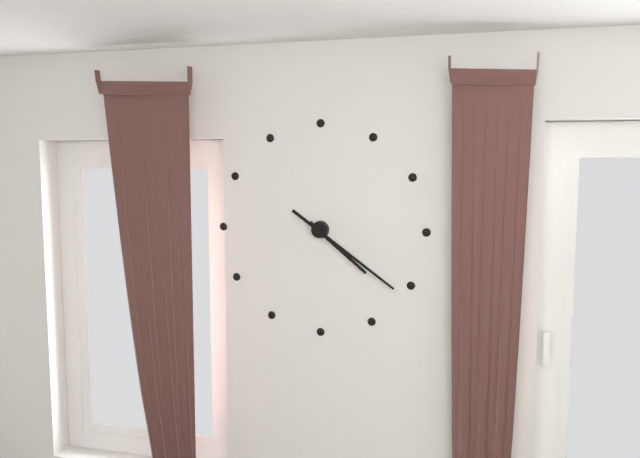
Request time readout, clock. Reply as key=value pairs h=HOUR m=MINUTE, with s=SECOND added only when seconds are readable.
h=4 m=21
